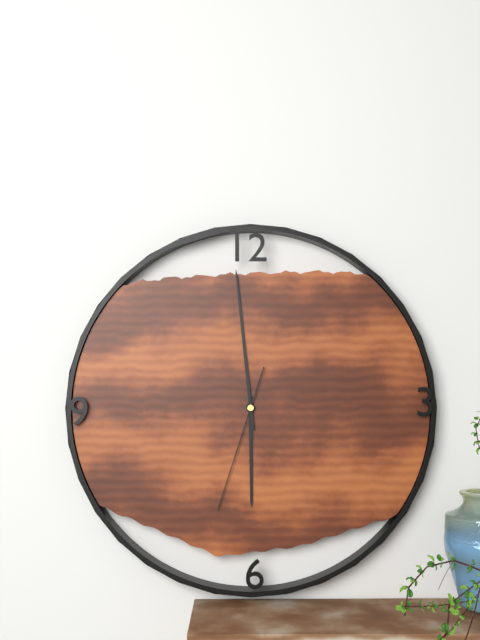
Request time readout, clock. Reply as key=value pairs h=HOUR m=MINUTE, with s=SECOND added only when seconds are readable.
h=5 m=59 s=33
